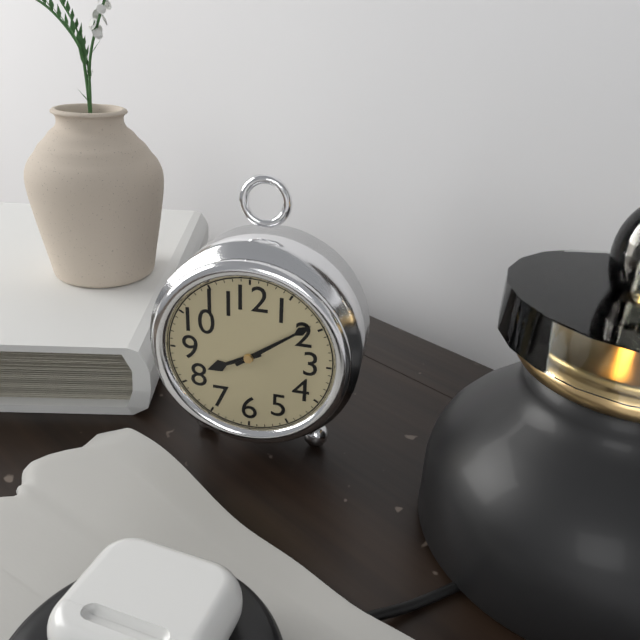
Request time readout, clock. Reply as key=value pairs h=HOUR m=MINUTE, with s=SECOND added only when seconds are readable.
h=8 m=9
